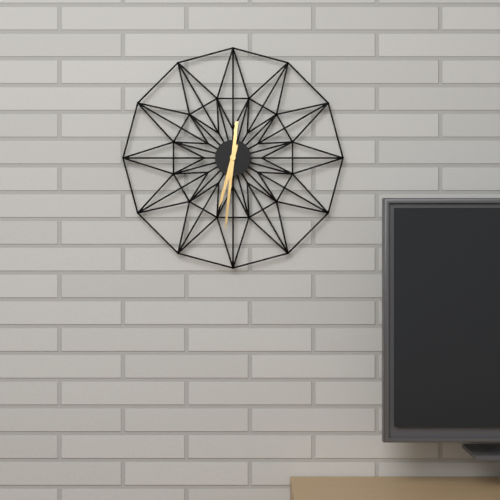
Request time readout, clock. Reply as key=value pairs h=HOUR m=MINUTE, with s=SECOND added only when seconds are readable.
h=6 m=31
